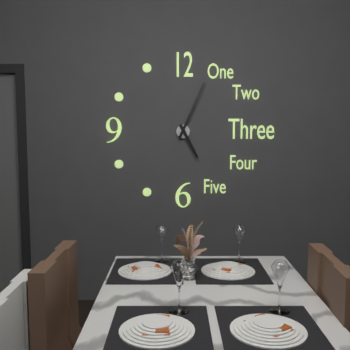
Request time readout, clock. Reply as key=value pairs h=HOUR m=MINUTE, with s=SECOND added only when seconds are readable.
h=5 m=4
